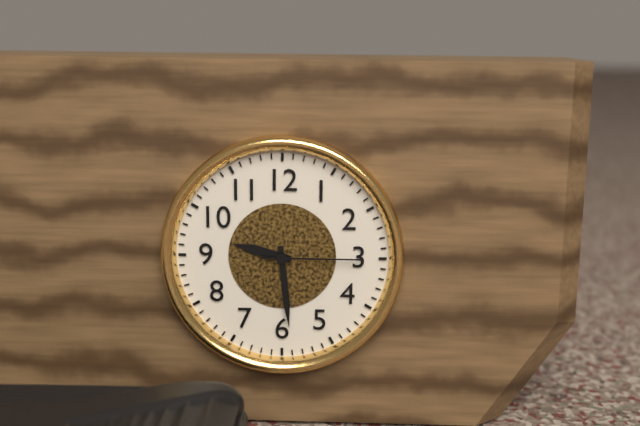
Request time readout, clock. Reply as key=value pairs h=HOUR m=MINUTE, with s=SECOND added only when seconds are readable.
h=9 m=29 s=15
